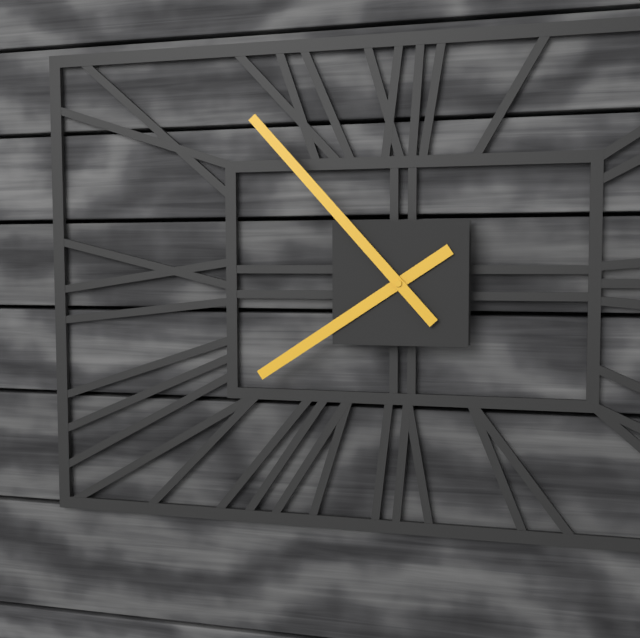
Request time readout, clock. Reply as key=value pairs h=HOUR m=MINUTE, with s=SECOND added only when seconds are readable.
h=7 m=53
